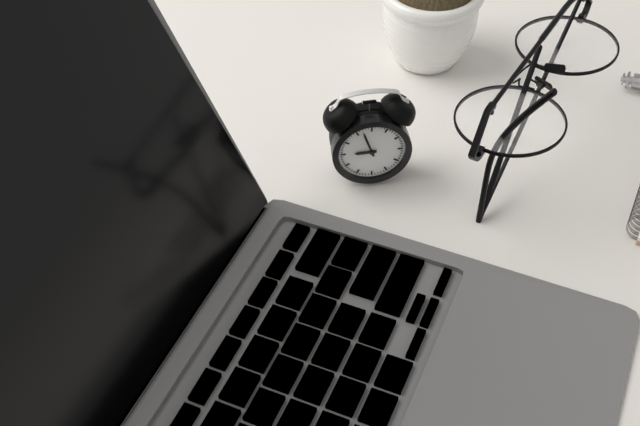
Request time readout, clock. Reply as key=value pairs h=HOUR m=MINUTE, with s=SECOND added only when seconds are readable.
h=8 m=57
